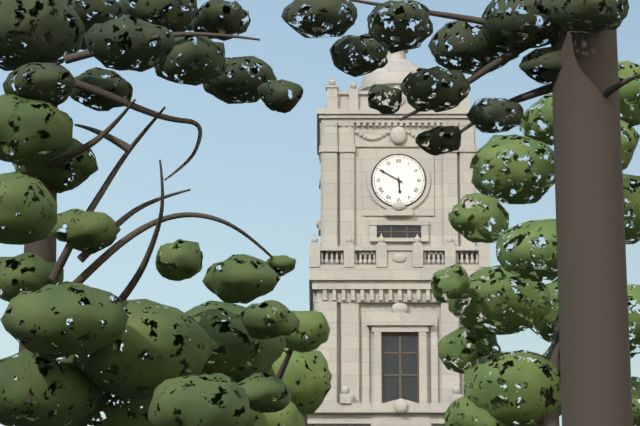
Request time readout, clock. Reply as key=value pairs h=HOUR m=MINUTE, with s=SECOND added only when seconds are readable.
h=5 m=50
